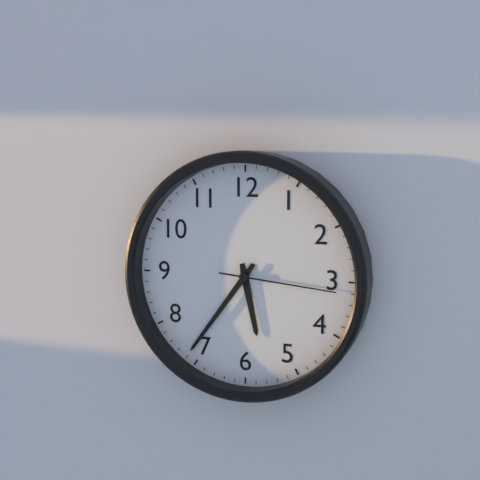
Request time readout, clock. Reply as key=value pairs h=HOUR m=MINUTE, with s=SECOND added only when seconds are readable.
h=5 m=36 s=16
